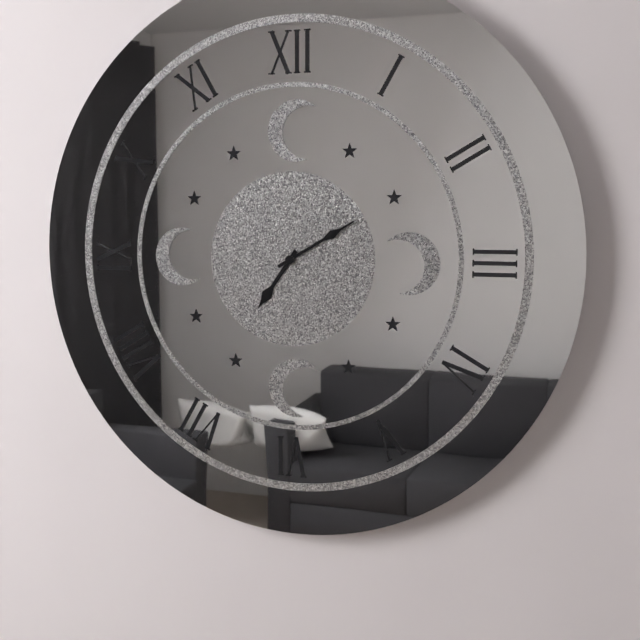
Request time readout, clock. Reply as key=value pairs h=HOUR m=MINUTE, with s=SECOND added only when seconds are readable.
h=7 m=10
